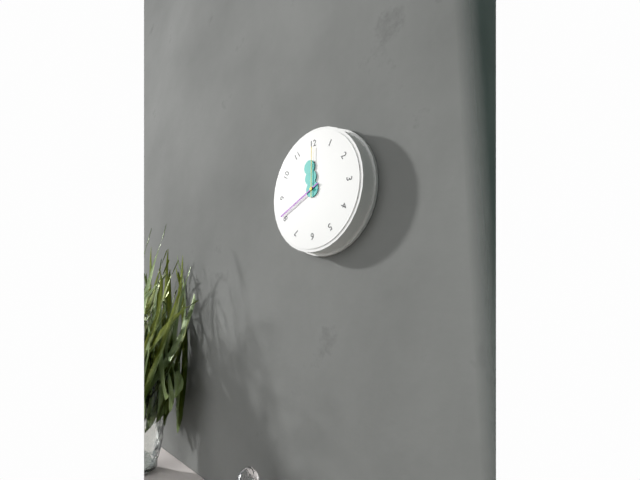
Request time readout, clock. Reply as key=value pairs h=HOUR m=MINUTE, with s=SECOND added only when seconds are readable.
h=11 m=41 s=0
